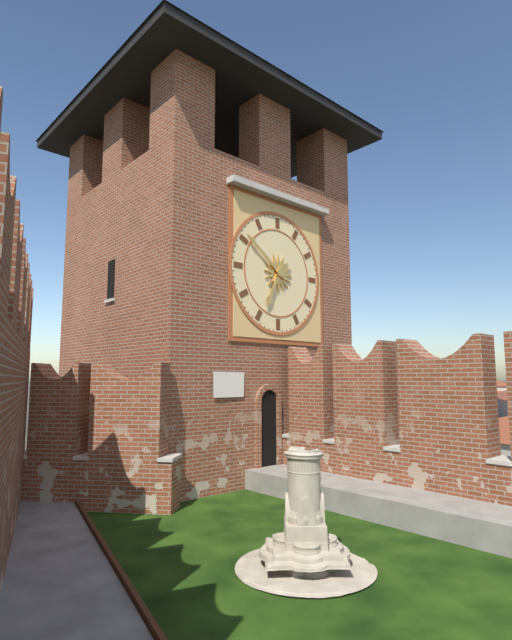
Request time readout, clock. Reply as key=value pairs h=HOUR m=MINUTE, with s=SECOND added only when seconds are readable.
h=6 m=51
